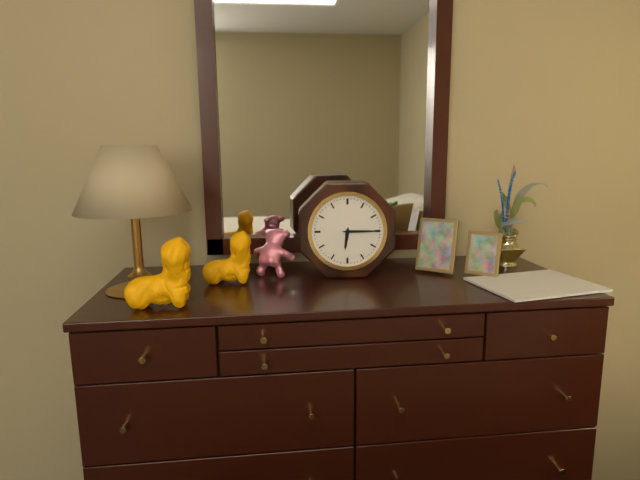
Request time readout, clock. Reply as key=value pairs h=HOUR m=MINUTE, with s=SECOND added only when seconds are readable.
h=6 m=15
